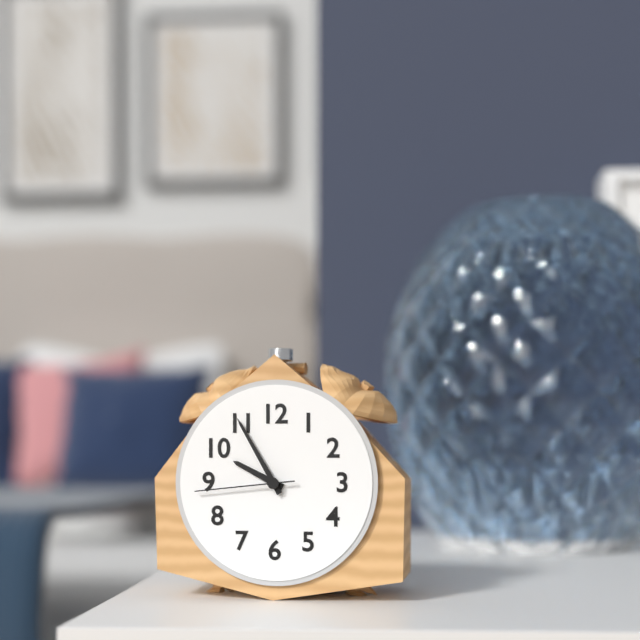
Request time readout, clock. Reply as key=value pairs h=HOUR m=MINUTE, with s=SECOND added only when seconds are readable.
h=9 m=55 s=44
